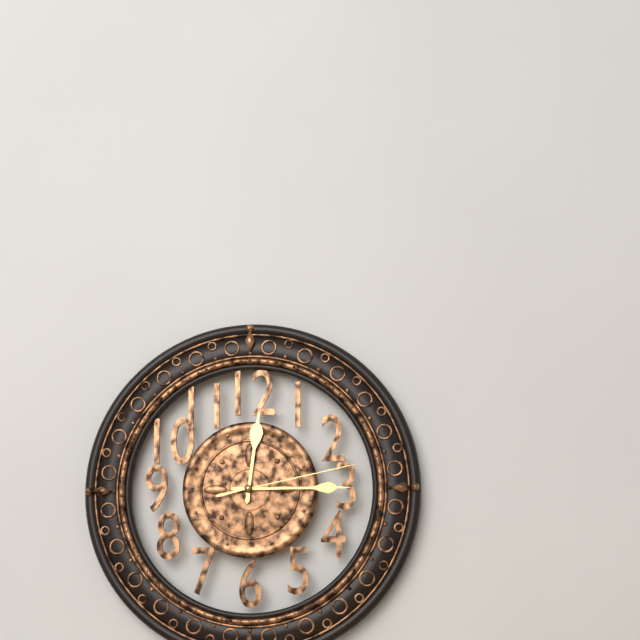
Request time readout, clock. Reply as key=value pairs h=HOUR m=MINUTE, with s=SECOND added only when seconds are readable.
h=12 m=15 s=13
